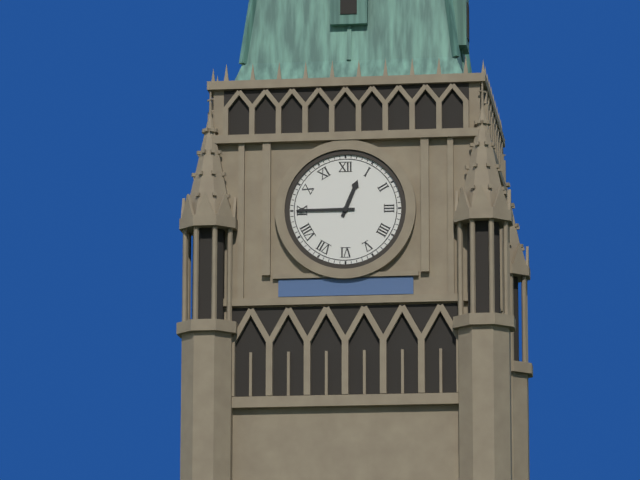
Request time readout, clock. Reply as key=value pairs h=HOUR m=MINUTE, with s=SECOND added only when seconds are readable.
h=12 m=45
